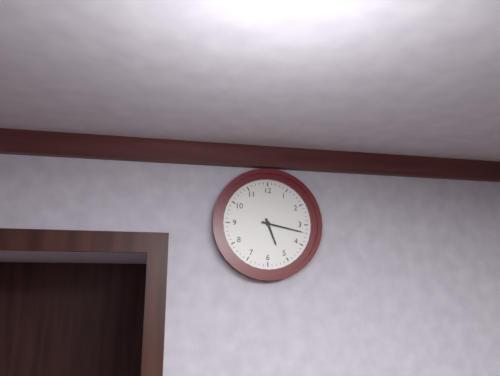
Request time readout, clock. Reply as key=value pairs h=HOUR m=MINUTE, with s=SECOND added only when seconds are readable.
h=5 m=17
